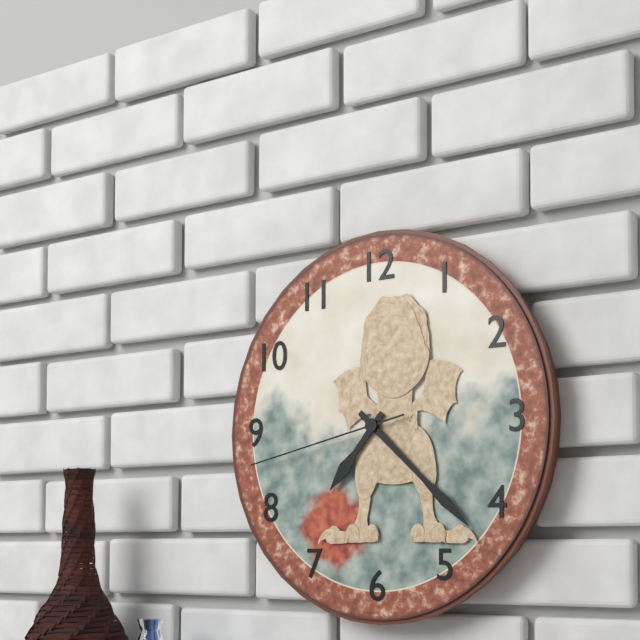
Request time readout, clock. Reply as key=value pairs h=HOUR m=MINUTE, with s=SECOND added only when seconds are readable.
h=7 m=22 s=43
